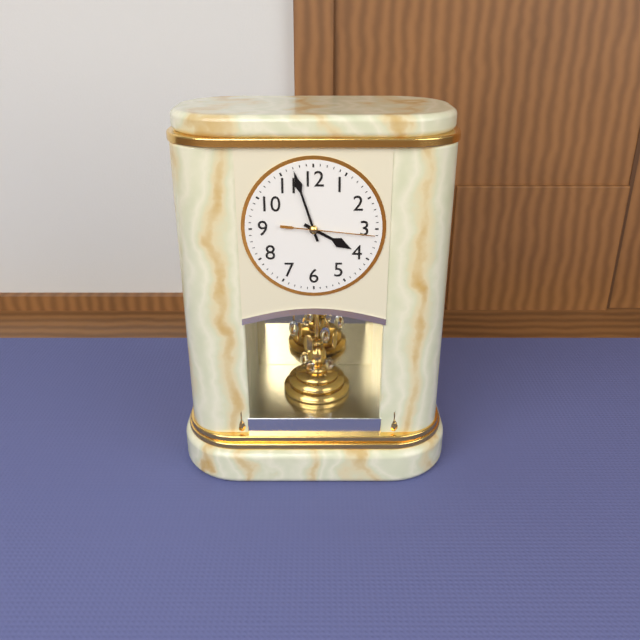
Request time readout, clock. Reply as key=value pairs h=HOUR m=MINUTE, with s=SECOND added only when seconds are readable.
h=3 m=57 s=16
